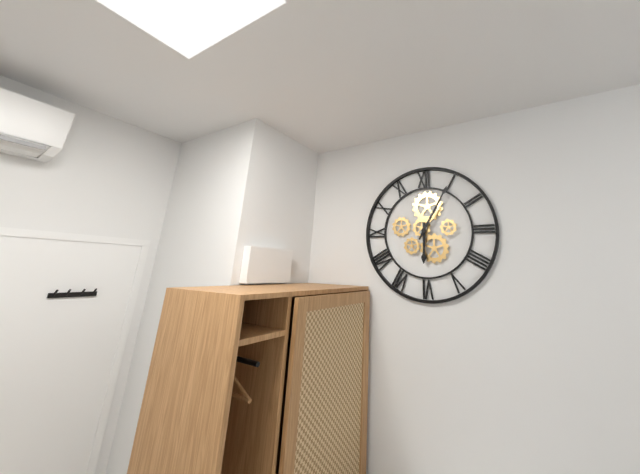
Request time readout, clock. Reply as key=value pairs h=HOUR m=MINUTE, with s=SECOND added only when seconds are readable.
h=6 m=5
